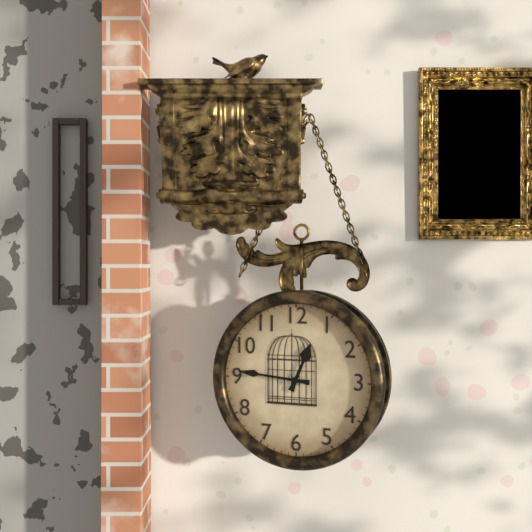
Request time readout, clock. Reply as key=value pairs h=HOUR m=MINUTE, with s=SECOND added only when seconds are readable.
h=12 m=46
